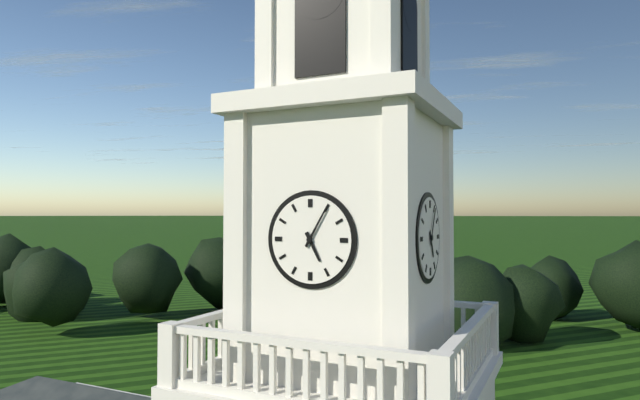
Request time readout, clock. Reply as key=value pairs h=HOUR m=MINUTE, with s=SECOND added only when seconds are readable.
h=5 m=5
